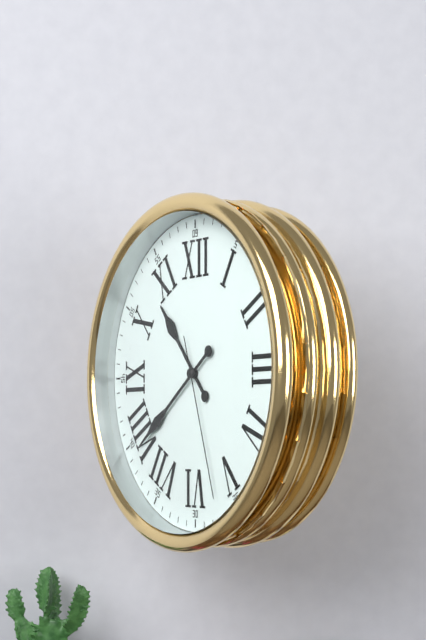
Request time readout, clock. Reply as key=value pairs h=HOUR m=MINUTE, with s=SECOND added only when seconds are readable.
h=10 m=39 s=27
